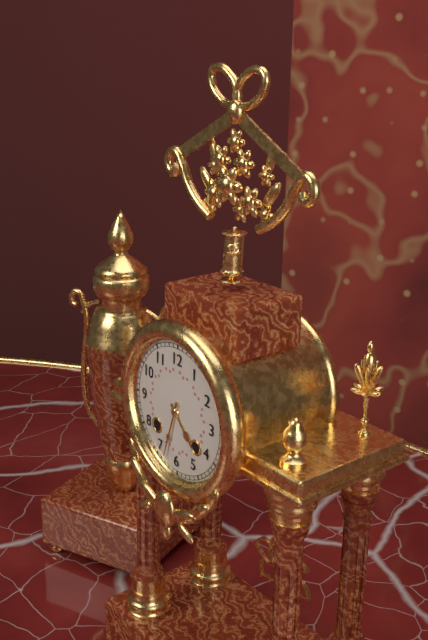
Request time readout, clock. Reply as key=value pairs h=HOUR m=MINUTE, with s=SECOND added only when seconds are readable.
h=4 m=33
